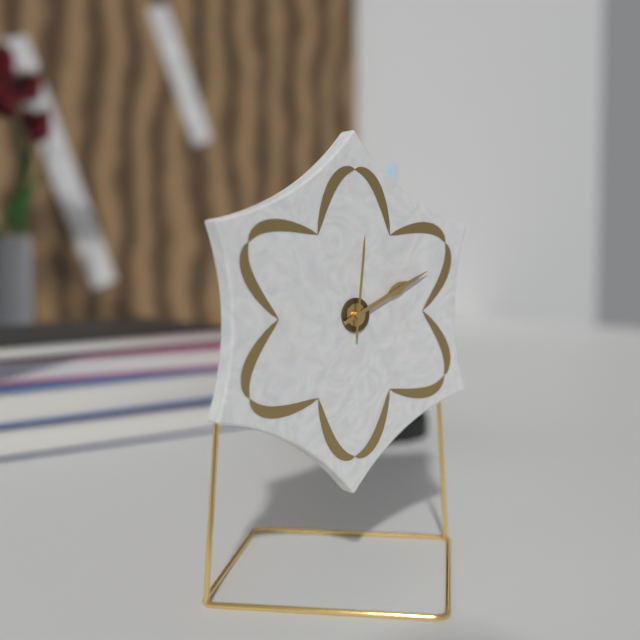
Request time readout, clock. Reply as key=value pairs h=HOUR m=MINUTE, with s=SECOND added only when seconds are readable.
h=2 m=11 s=1
